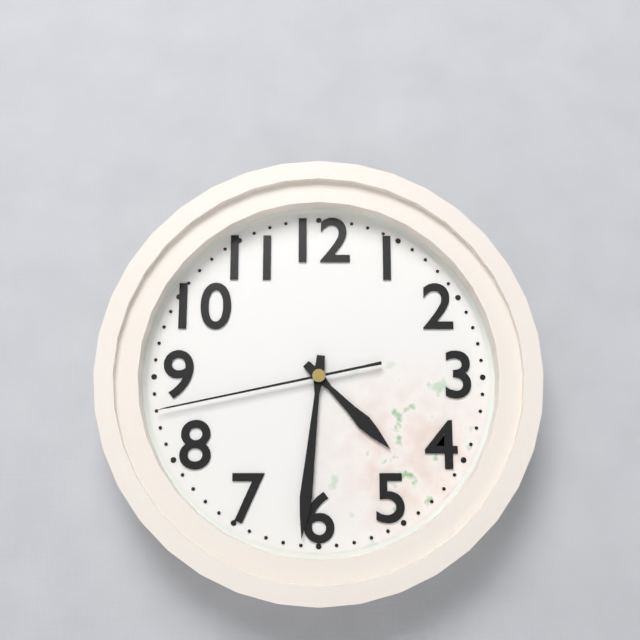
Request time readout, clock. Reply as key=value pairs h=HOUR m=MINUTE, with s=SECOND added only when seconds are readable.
h=4 m=31 s=43
